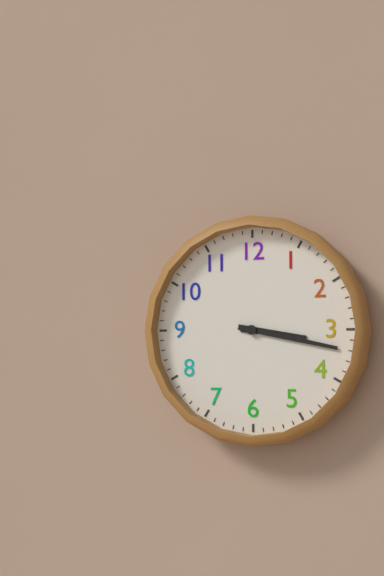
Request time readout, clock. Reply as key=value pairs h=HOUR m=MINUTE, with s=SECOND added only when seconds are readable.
h=3 m=17
